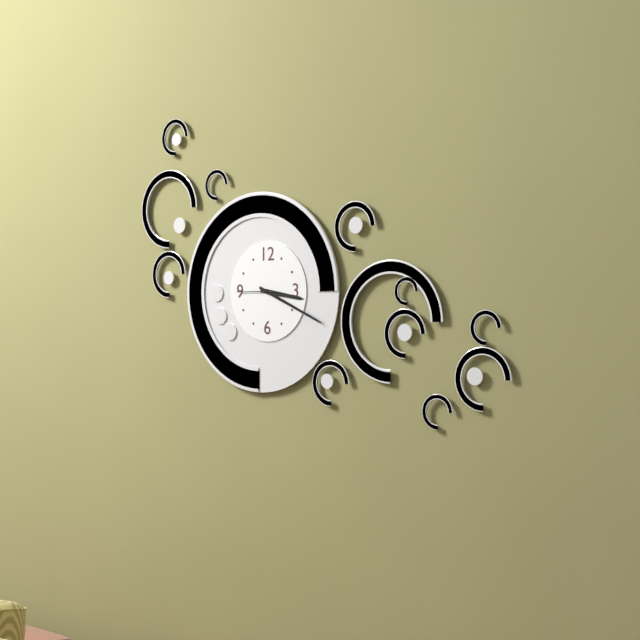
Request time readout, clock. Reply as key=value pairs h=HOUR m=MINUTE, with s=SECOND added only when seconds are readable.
h=3 m=19
